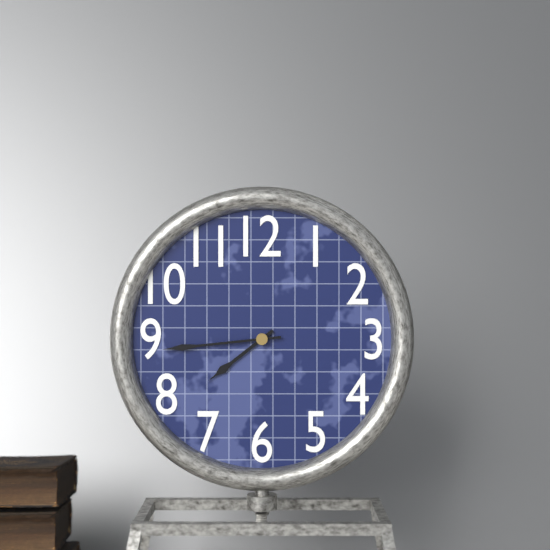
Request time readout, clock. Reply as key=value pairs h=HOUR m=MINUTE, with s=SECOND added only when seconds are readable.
h=7 m=44
